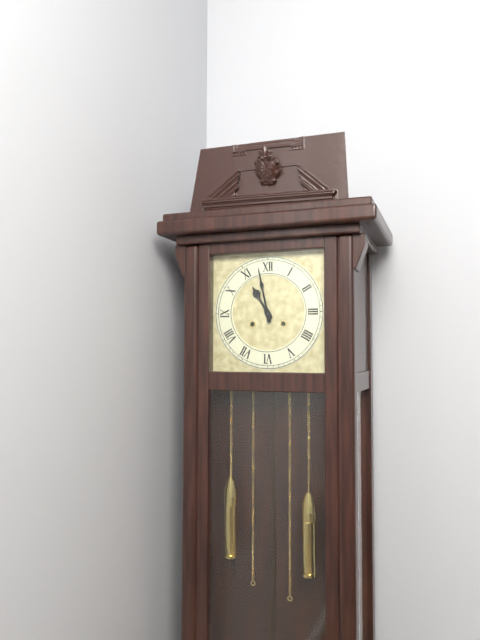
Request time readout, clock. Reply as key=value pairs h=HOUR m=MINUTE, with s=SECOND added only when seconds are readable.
h=10 m=58
